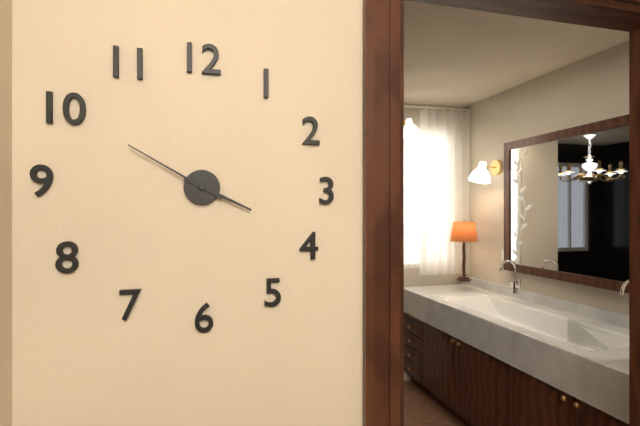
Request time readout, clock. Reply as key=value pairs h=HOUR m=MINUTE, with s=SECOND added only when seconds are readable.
h=3 m=50
